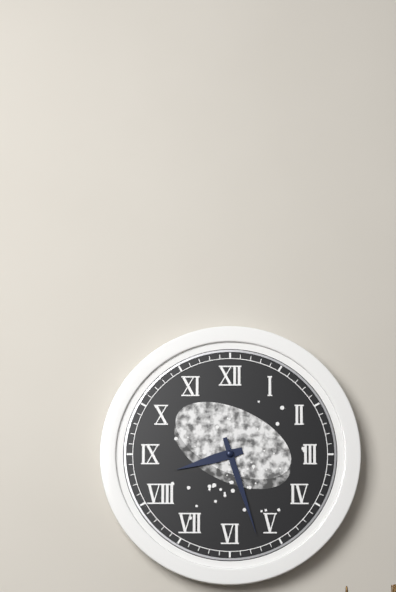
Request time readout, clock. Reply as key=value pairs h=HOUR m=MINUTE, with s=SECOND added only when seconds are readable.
h=8 m=27
